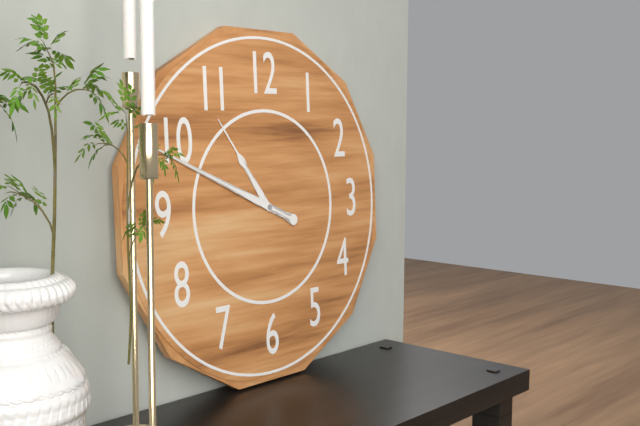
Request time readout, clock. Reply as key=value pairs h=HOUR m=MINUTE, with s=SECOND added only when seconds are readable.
h=10 m=49
